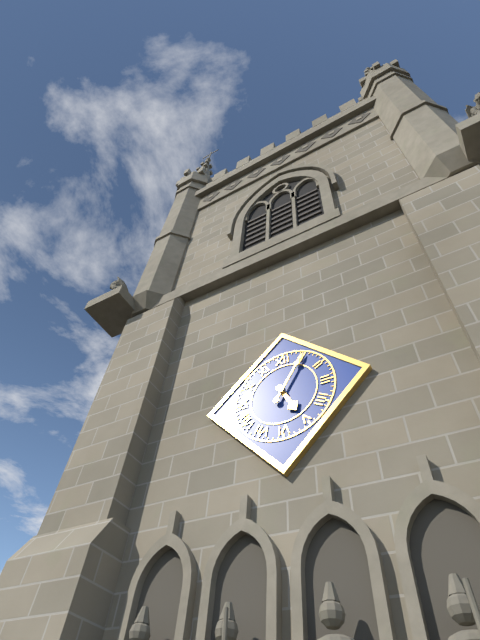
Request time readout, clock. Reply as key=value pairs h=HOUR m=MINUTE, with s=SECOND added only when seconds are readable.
h=5 m=5
